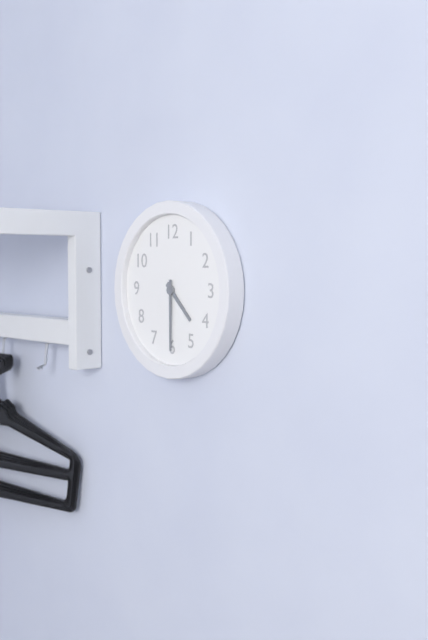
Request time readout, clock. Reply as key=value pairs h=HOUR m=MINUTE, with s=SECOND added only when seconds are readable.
h=4 m=30
